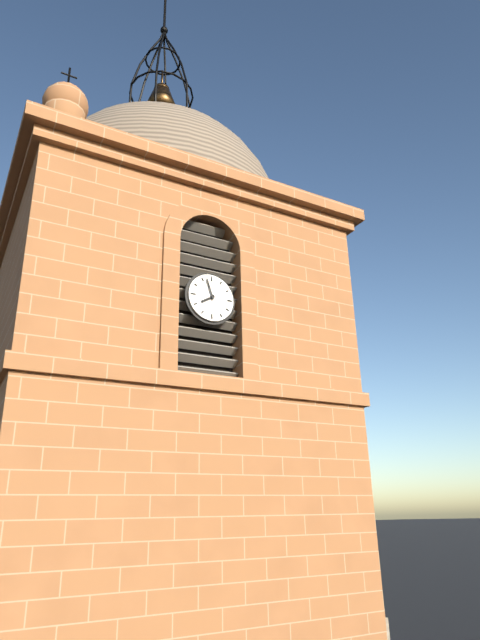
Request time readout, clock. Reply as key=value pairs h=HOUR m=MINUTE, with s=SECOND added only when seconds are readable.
h=7 m=57
